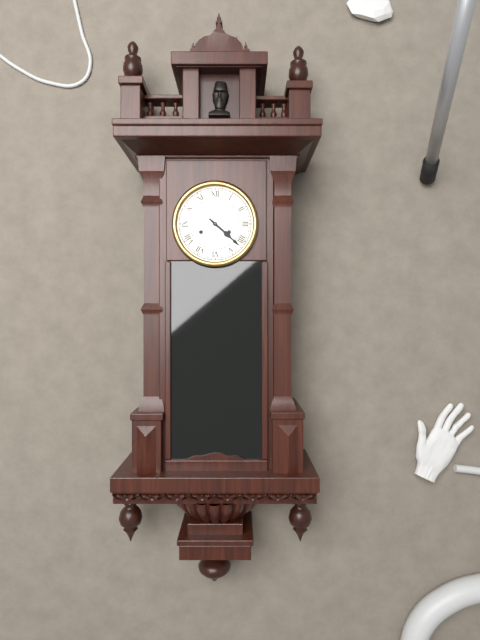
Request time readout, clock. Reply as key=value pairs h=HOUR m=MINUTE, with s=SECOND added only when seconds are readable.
h=4 m=22
